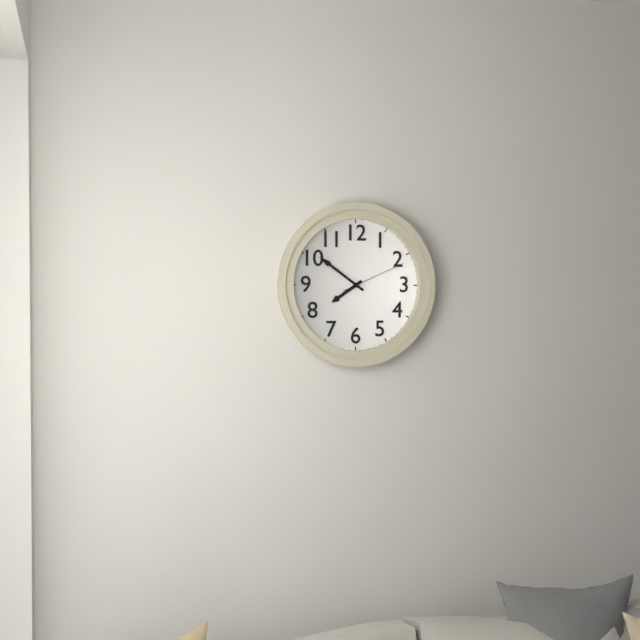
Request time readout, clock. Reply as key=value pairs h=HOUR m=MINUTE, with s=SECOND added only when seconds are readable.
h=7 m=51 s=11
